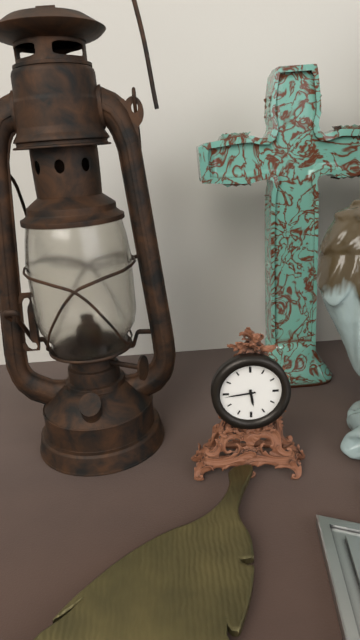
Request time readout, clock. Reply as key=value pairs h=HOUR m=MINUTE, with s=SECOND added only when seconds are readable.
h=5 m=44
